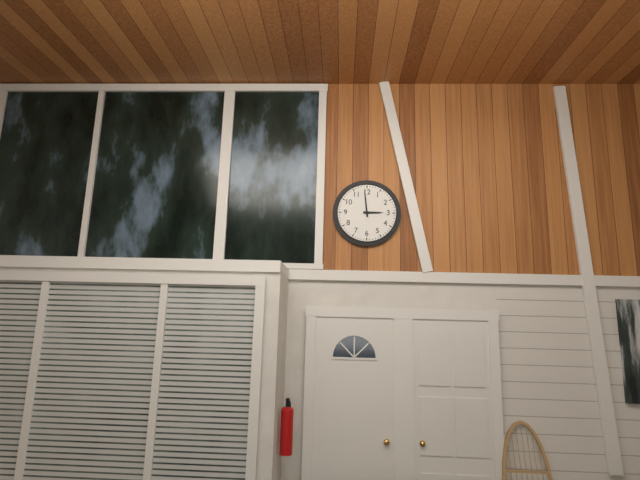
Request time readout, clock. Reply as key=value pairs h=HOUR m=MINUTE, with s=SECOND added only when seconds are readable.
h=2 m=59
